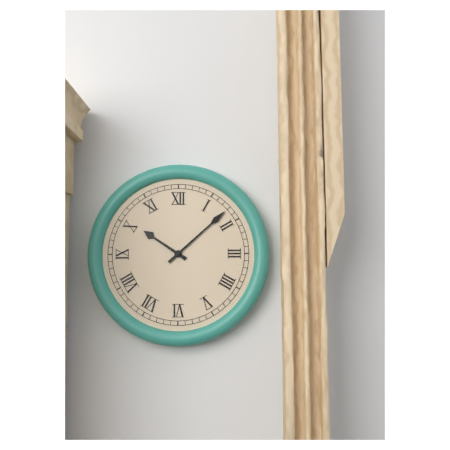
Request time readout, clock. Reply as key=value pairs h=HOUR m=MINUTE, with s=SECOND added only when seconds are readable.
h=10 m=8
